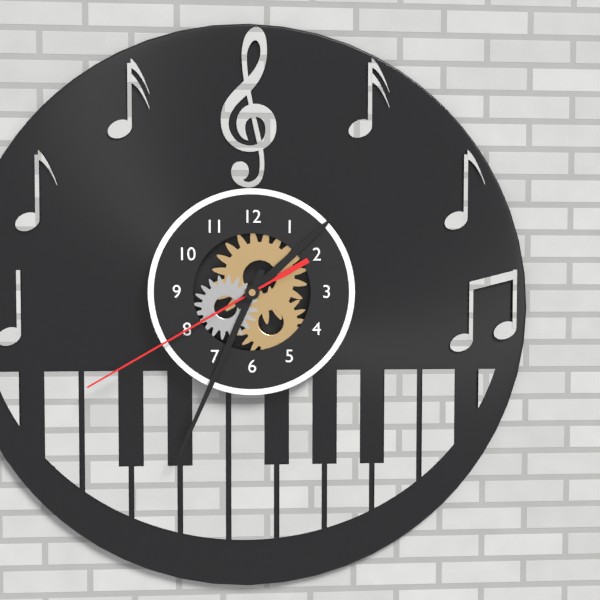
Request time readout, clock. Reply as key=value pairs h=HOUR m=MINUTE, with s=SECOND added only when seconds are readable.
h=1 m=34 s=40
